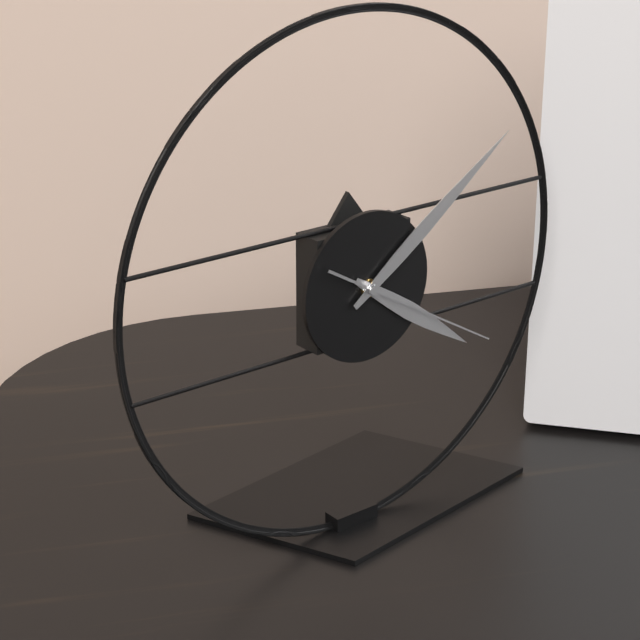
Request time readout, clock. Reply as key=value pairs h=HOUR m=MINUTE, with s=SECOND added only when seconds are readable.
h=4 m=9 s=20
